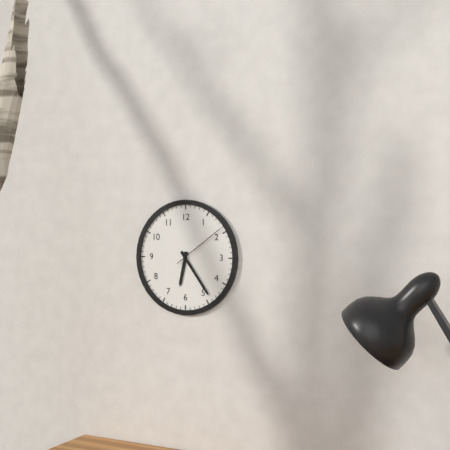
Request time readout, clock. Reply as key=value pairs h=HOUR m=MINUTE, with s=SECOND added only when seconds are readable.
h=6 m=24 s=9
